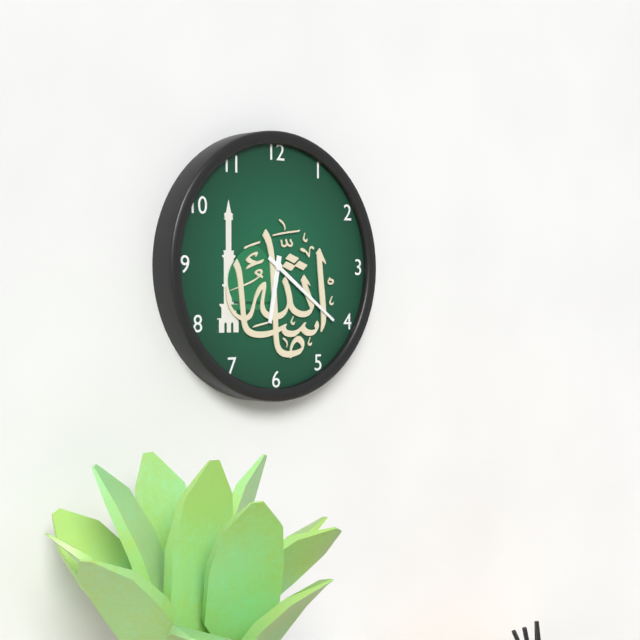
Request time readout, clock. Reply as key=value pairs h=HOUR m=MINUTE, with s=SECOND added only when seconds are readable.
h=6 m=21
